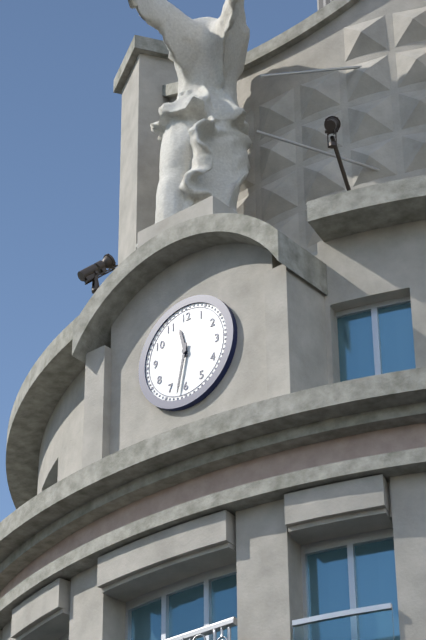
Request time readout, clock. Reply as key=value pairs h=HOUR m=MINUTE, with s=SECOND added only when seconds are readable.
h=11 m=32
